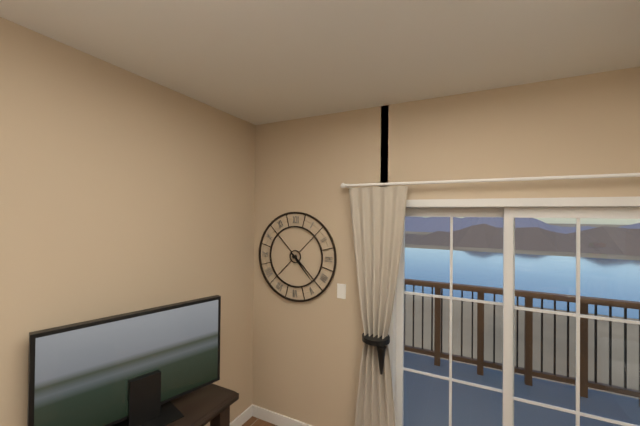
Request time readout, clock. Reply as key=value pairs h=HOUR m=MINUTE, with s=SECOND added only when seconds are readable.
h=4 m=23
